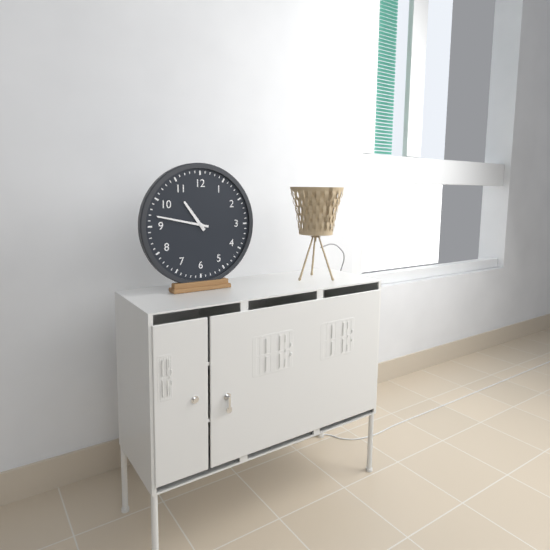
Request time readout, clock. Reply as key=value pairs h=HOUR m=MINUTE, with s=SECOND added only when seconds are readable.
h=10 m=47
